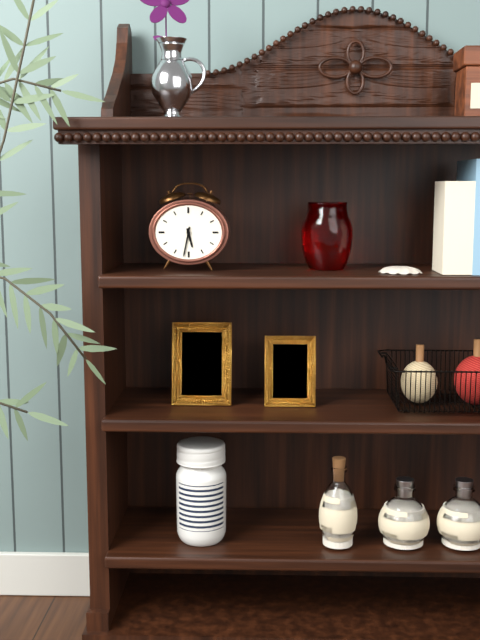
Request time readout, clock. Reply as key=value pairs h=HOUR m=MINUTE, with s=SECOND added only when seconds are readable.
h=5 m=32
